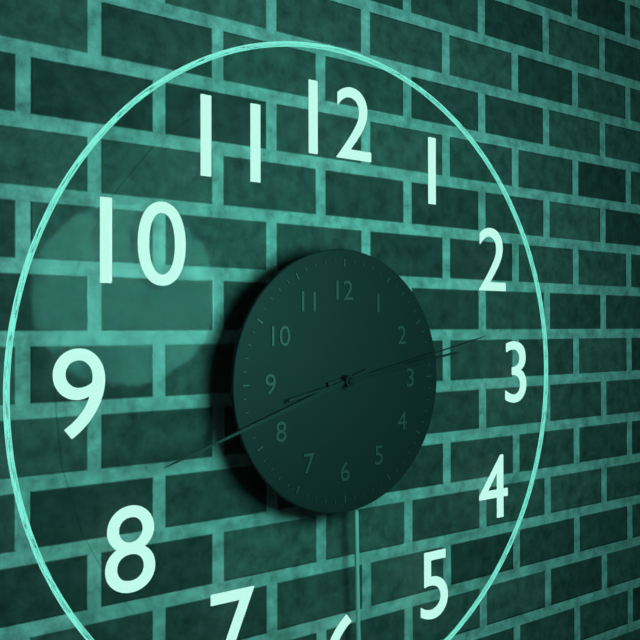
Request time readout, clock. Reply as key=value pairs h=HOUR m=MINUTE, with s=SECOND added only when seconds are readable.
h=2 m=42 s=13
